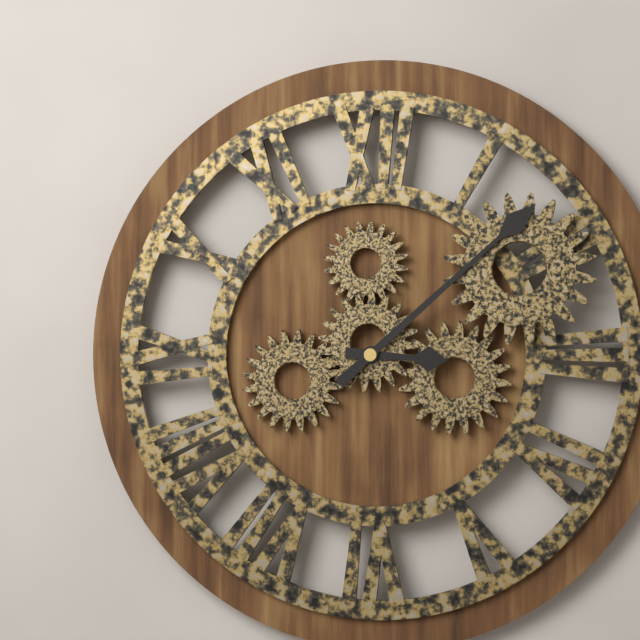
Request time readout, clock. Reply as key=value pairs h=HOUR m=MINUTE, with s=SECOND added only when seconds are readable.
h=3 m=8
